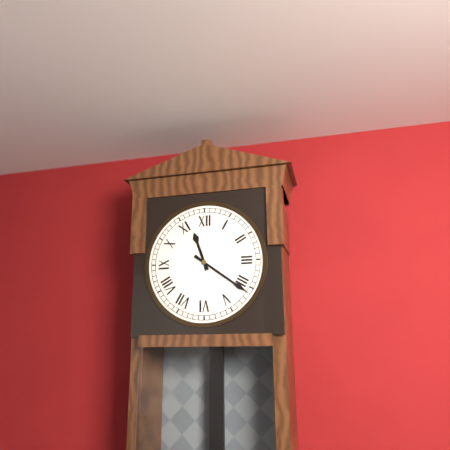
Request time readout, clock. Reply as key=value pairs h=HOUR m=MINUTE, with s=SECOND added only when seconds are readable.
h=11 m=21
